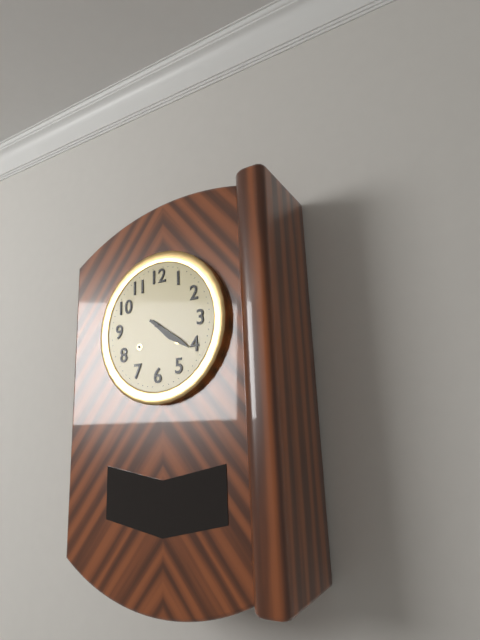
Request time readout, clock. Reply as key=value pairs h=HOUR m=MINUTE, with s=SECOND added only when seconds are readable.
h=4 m=21
